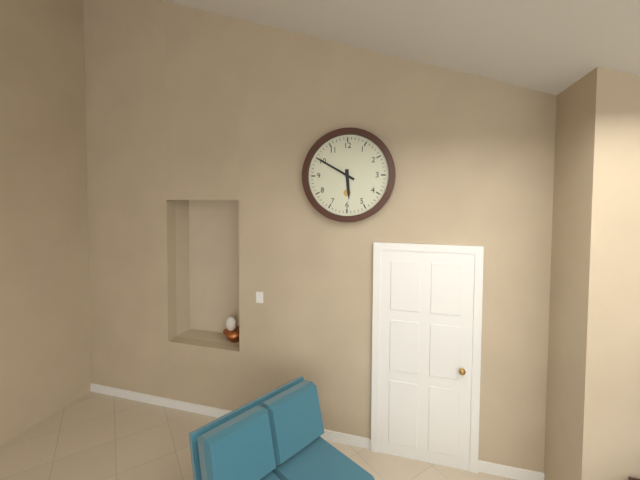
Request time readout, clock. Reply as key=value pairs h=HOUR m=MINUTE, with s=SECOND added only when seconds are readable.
h=5 m=50
